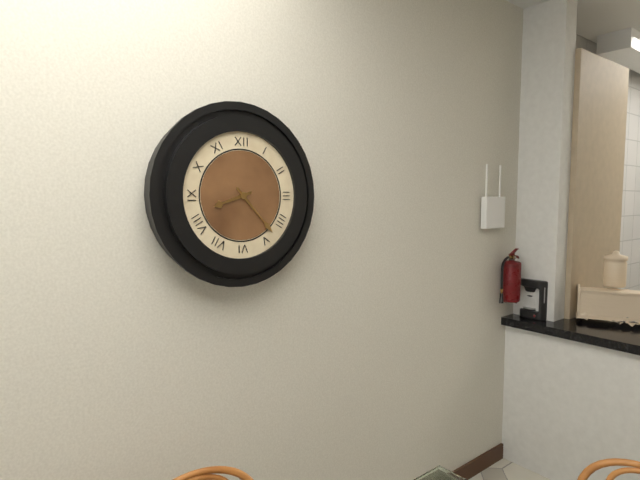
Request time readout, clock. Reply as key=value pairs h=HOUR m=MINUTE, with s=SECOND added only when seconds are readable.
h=8 m=23
